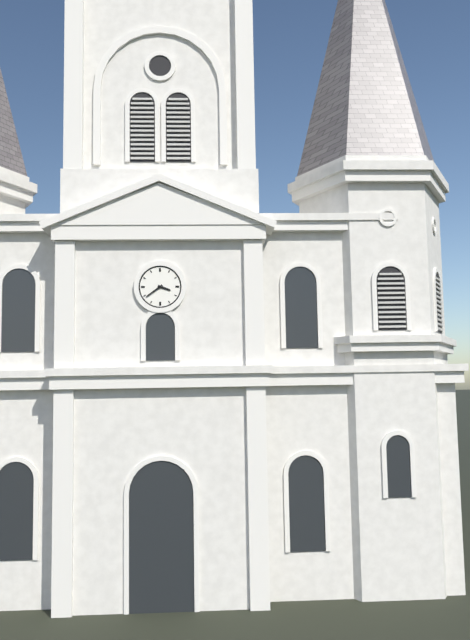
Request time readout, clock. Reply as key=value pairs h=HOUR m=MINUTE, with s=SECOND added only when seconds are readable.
h=3 m=39
